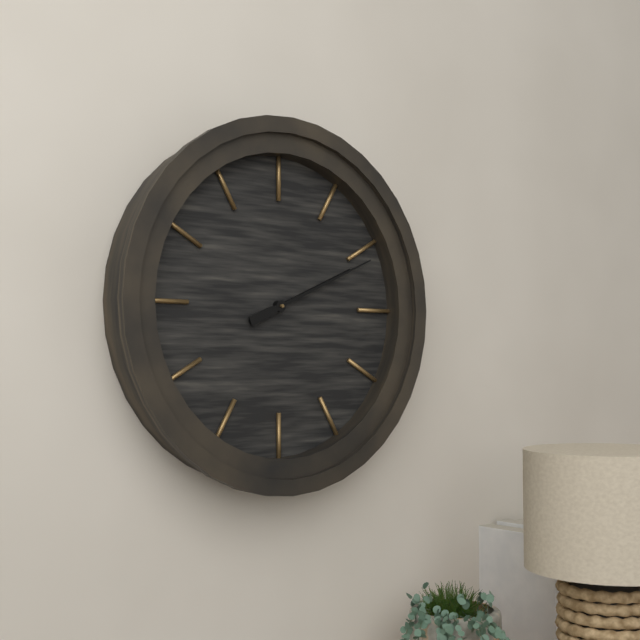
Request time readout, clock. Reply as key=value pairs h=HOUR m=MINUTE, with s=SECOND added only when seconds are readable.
h=2 m=11
